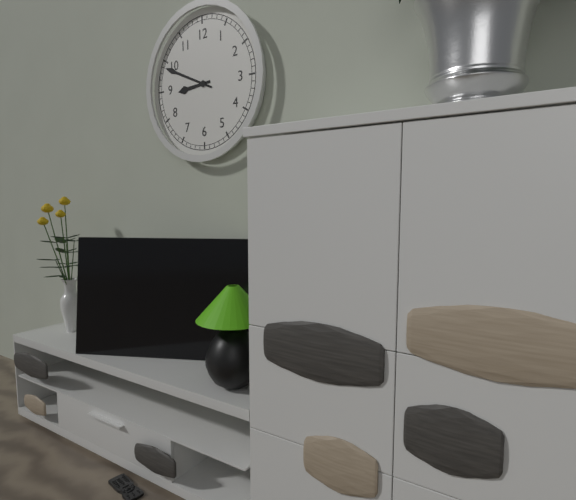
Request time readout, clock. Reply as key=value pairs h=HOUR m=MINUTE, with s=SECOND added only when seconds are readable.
h=8 m=49
